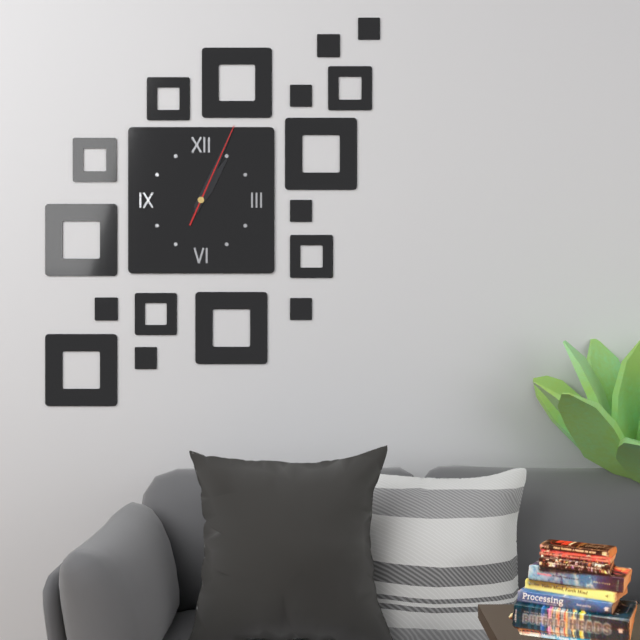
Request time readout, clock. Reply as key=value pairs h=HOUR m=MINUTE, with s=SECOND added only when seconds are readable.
h=1 m=4 s=4
